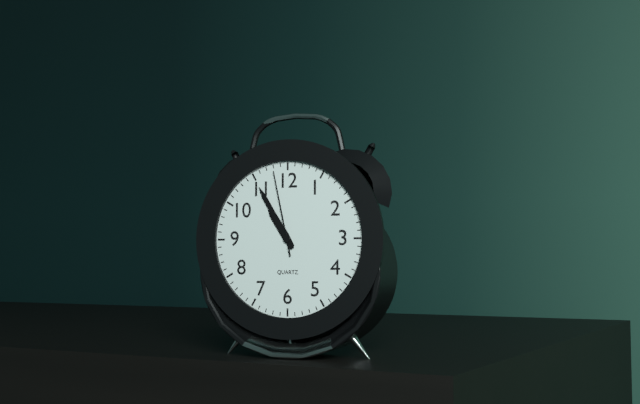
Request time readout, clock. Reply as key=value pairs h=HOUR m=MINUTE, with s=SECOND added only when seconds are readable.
h=10 m=55 s=58
